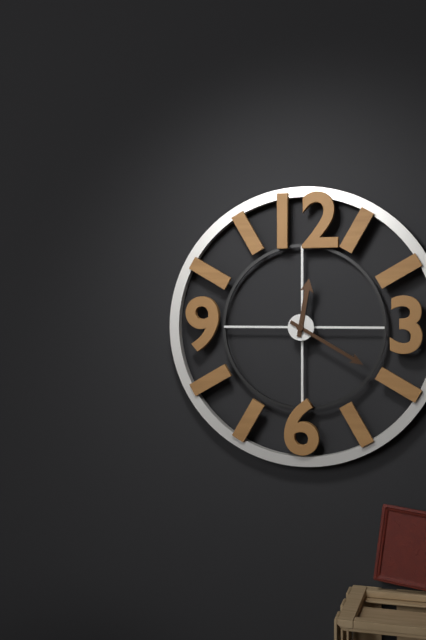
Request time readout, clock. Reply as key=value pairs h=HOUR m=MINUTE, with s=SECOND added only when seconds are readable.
h=12 m=20
